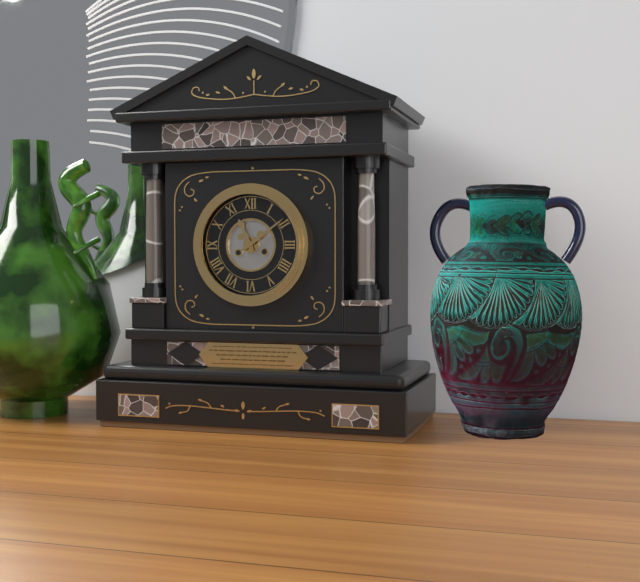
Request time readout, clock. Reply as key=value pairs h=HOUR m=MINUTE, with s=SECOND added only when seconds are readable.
h=11 m=9
